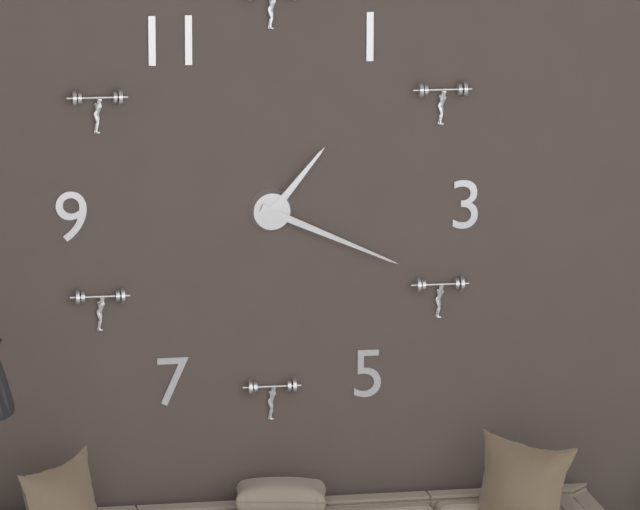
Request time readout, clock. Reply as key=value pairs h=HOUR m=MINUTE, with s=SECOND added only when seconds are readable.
h=1 m=19
